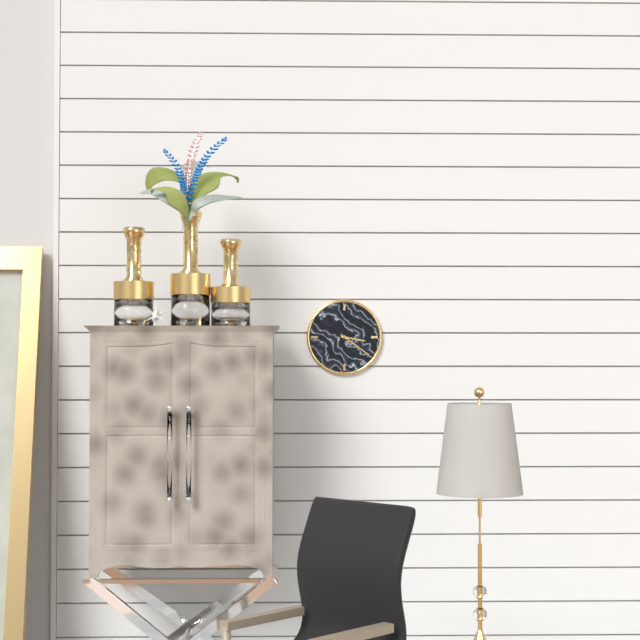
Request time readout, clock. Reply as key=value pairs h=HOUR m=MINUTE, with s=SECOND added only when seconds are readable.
h=3 m=21
